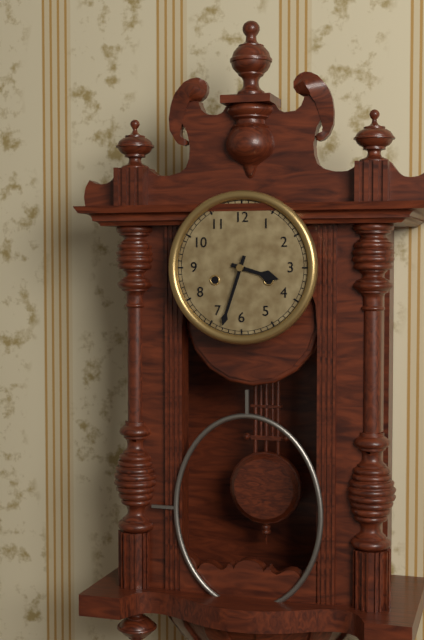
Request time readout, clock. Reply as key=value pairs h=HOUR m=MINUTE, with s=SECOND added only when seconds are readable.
h=3 m=33
